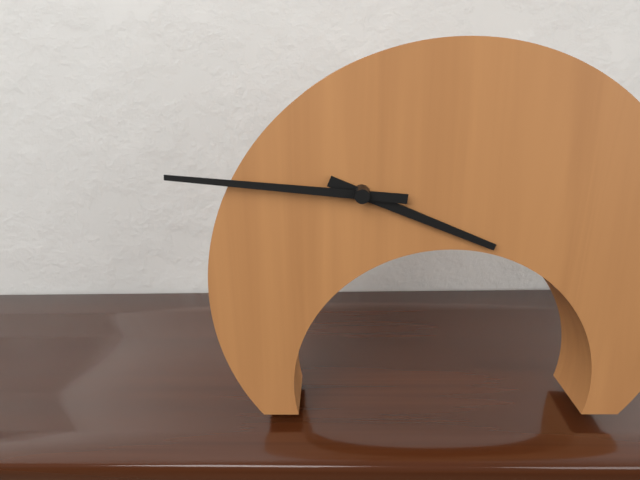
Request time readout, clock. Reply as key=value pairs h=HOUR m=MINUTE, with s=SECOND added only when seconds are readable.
h=3 m=46
